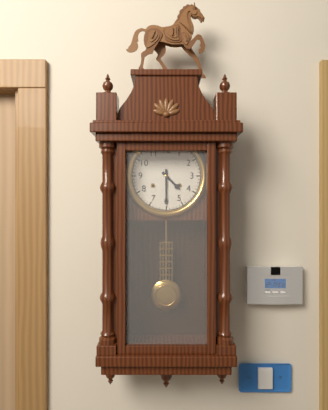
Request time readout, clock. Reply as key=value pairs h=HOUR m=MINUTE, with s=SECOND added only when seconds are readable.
h=4 m=30
